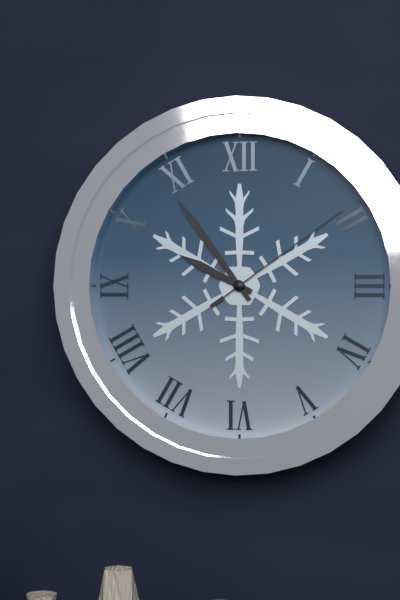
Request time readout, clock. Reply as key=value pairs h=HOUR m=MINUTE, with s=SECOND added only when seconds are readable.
h=9 m=54 s=9
